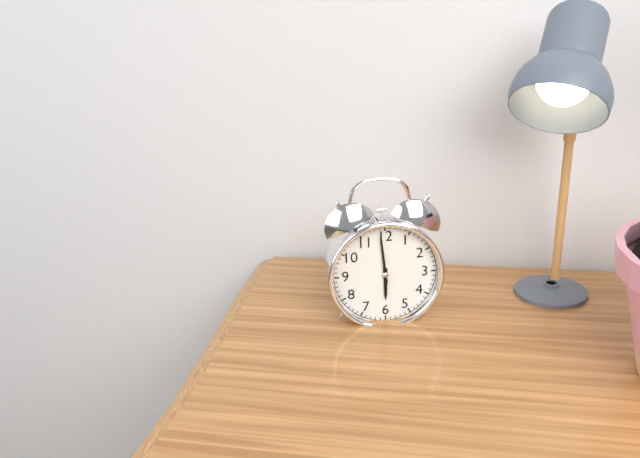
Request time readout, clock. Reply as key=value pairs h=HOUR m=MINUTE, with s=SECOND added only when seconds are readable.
h=5 m=59
